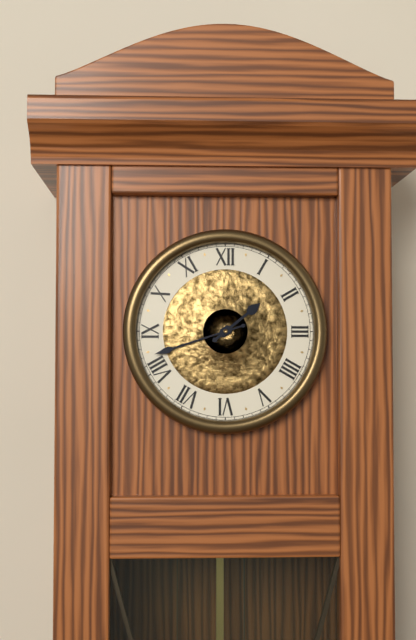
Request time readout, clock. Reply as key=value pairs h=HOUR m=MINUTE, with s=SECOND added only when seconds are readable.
h=1 m=42
